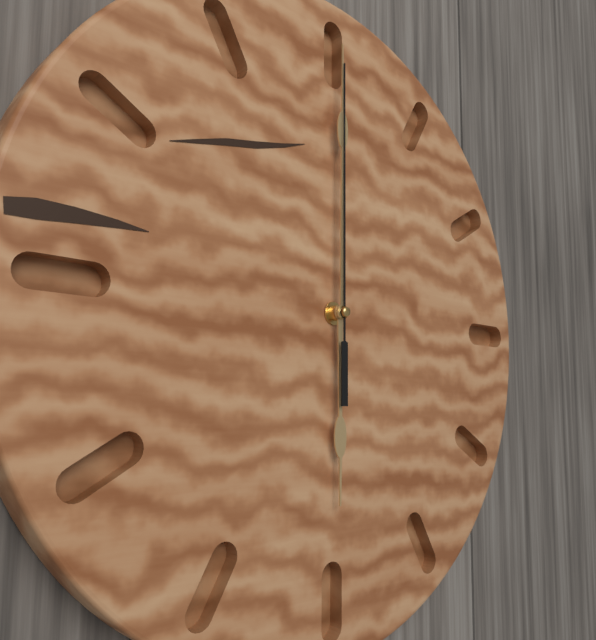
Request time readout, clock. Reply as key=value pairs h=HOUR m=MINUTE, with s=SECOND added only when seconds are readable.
h=6 m=0 s=0
